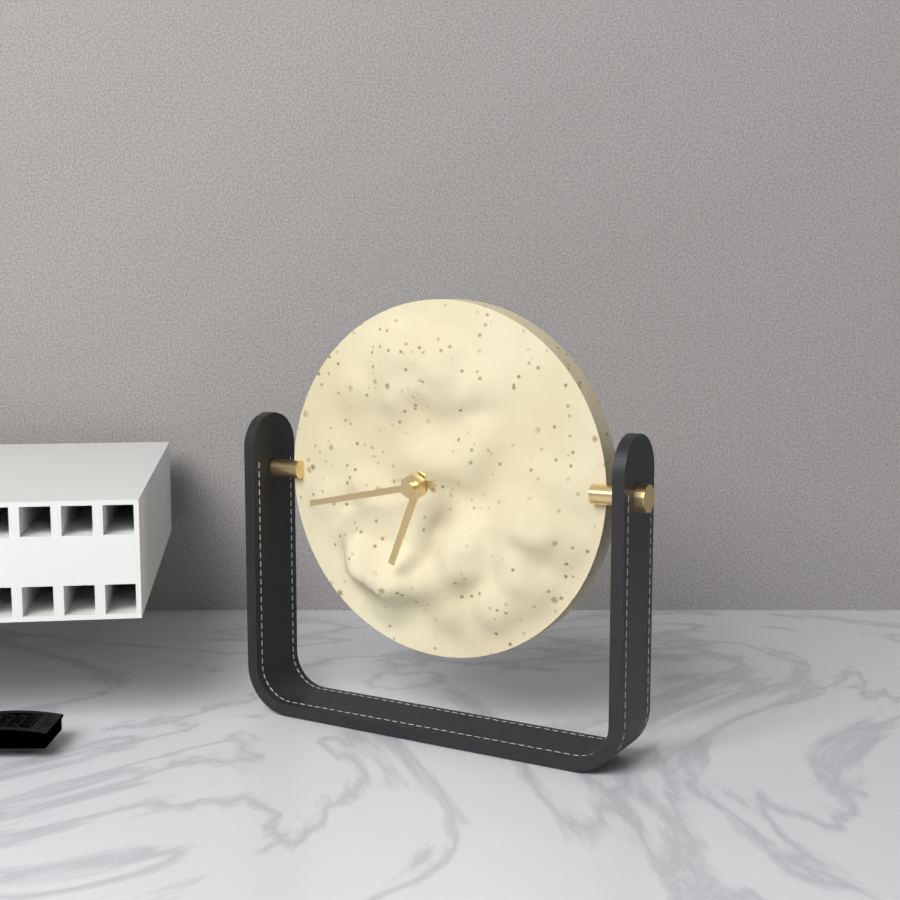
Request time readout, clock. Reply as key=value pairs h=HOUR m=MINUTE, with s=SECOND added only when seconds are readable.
h=6 m=43
